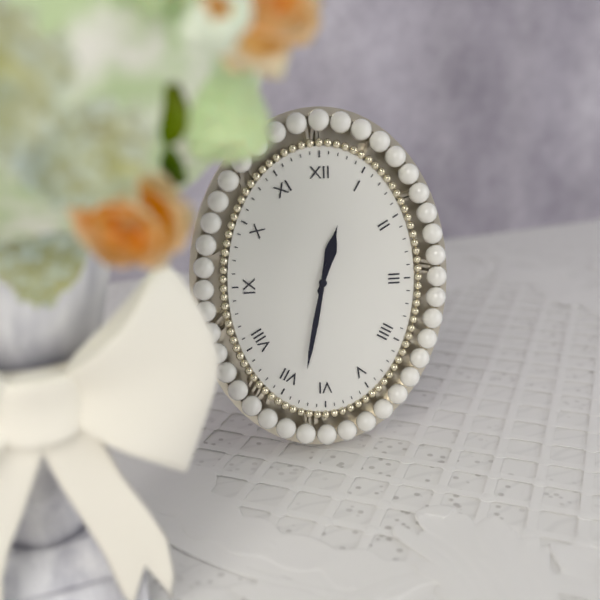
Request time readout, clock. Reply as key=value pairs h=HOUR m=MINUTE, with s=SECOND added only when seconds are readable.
h=12 m=32
